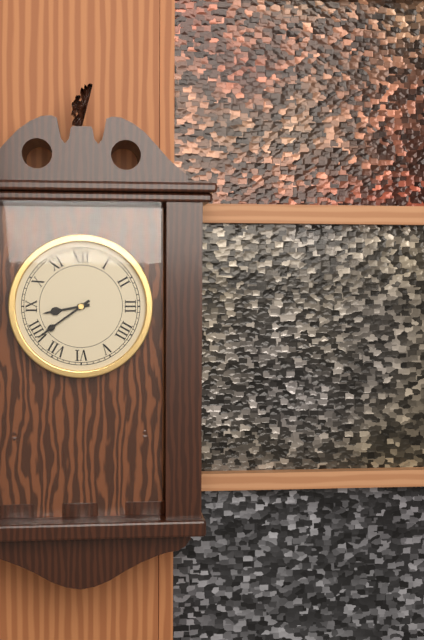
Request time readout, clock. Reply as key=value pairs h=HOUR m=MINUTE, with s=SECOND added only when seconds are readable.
h=8 m=39
